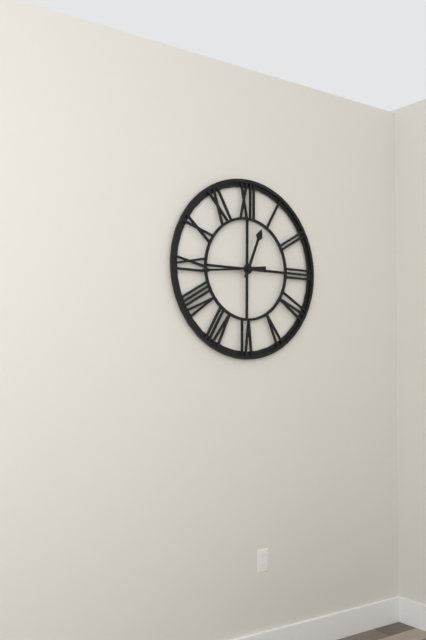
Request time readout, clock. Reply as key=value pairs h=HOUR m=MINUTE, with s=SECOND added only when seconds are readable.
h=12 m=44
